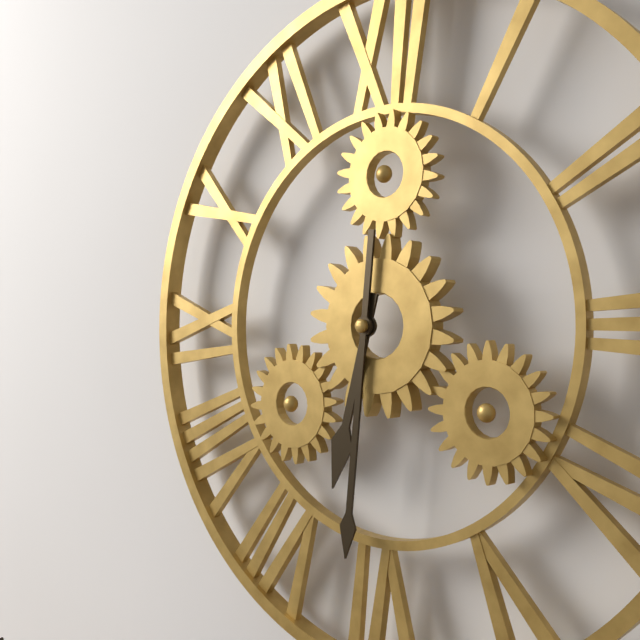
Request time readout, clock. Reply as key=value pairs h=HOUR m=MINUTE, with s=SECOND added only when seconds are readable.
h=6 m=31
